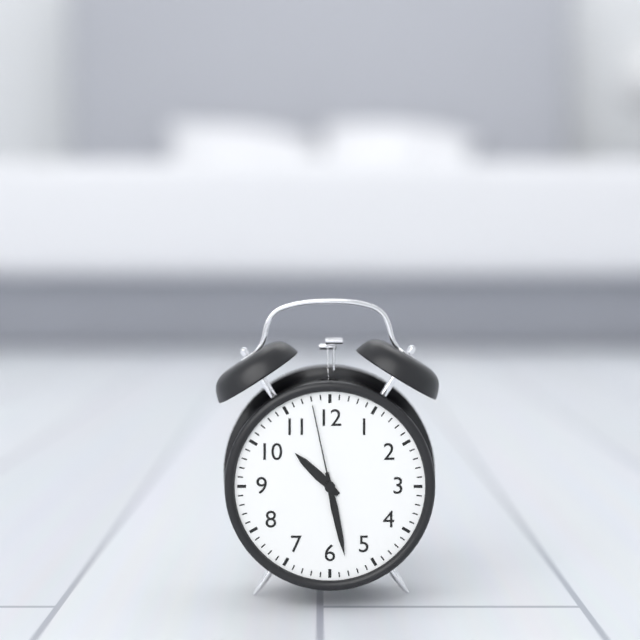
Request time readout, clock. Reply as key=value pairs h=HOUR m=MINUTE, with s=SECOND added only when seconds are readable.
h=10 m=28 s=58
